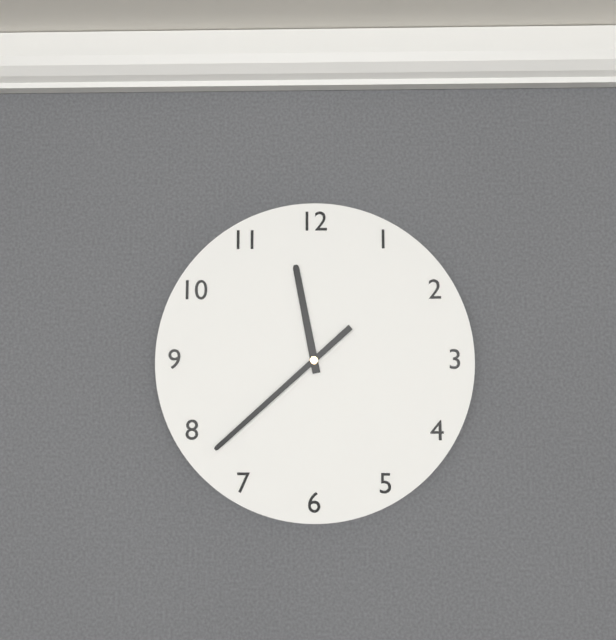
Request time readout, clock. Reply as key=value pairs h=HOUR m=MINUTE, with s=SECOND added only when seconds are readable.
h=11 m=38
